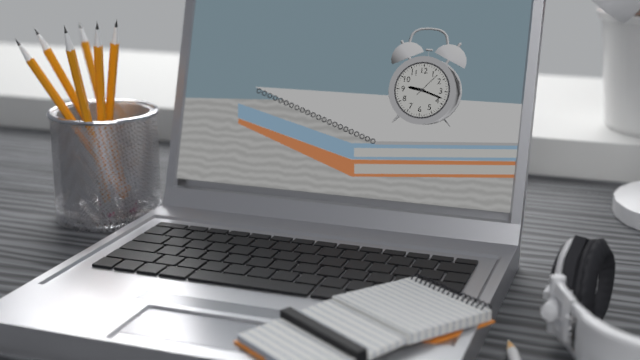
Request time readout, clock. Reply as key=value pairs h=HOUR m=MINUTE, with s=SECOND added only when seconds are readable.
h=9 m=18
